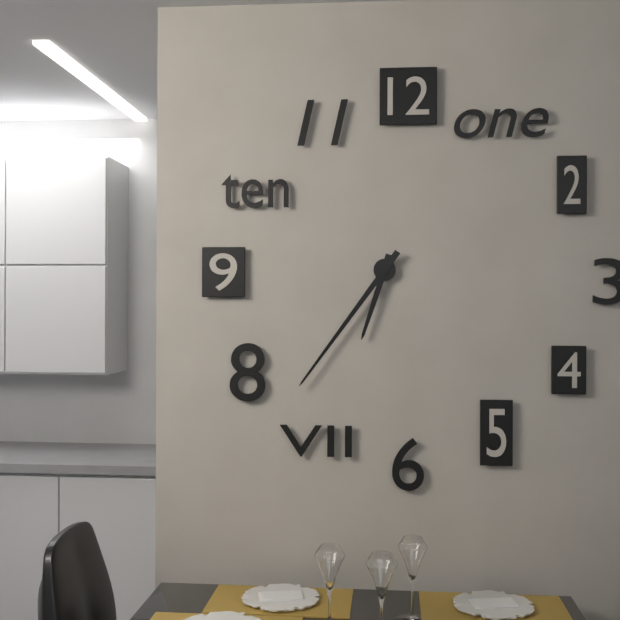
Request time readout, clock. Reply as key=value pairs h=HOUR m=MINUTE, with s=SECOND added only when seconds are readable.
h=6 m=36
